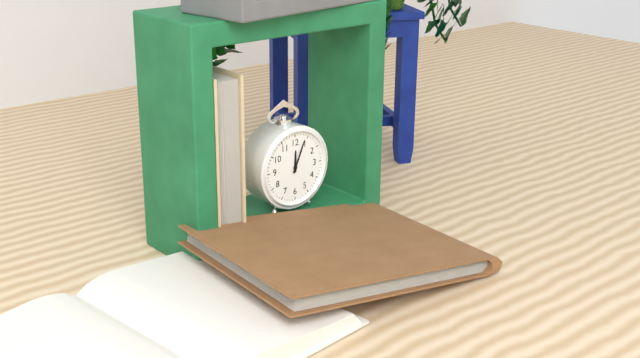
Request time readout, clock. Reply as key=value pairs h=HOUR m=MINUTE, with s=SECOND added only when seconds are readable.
h=12 m=4
